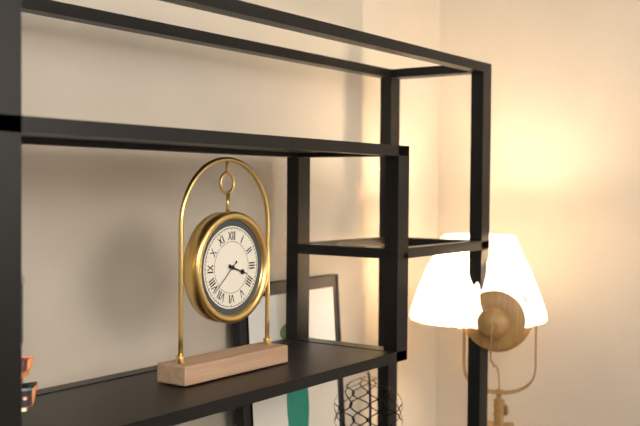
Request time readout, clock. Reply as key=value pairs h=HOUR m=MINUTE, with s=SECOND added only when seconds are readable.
h=3 m=38
